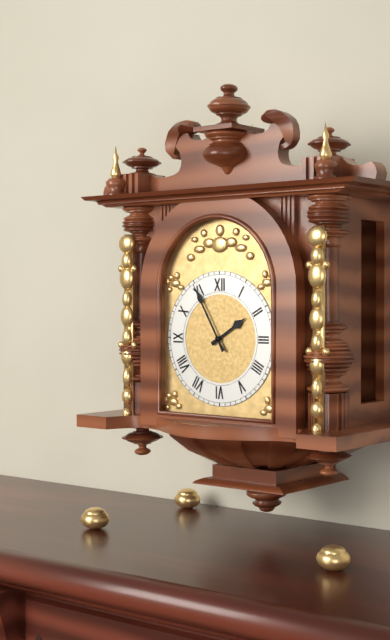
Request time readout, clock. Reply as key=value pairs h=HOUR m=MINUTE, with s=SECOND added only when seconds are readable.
h=1 m=55
